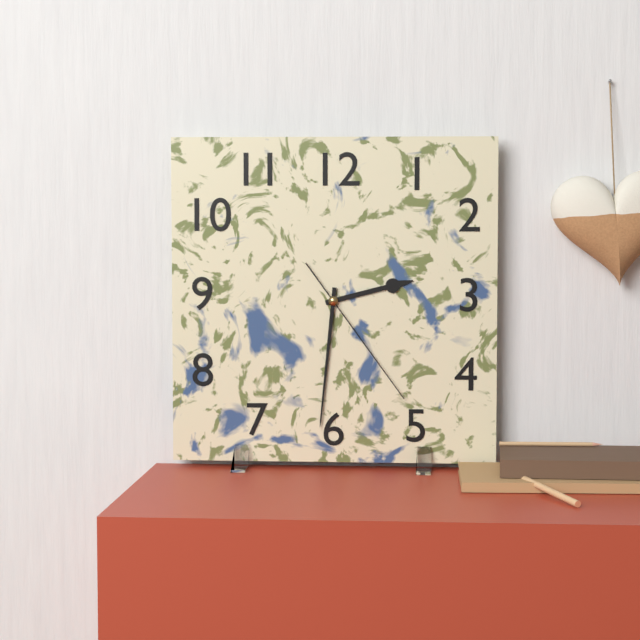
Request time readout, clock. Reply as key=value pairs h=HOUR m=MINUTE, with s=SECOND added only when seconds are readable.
h=2 m=31 s=24
